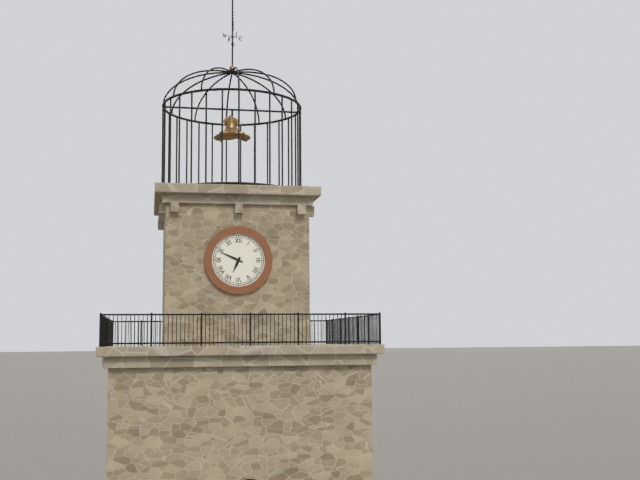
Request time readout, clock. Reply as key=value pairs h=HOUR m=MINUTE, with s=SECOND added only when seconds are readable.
h=6 m=49
